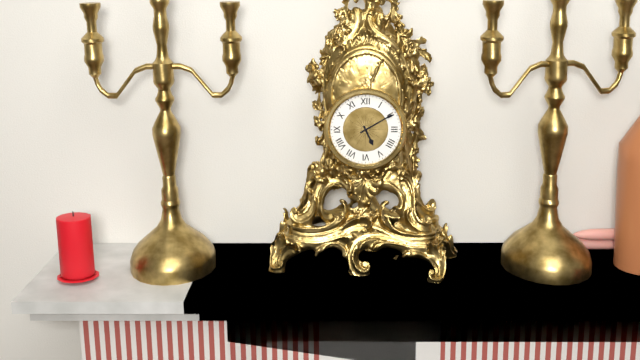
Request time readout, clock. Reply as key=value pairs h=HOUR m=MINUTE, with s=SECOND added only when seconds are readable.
h=5 m=10
